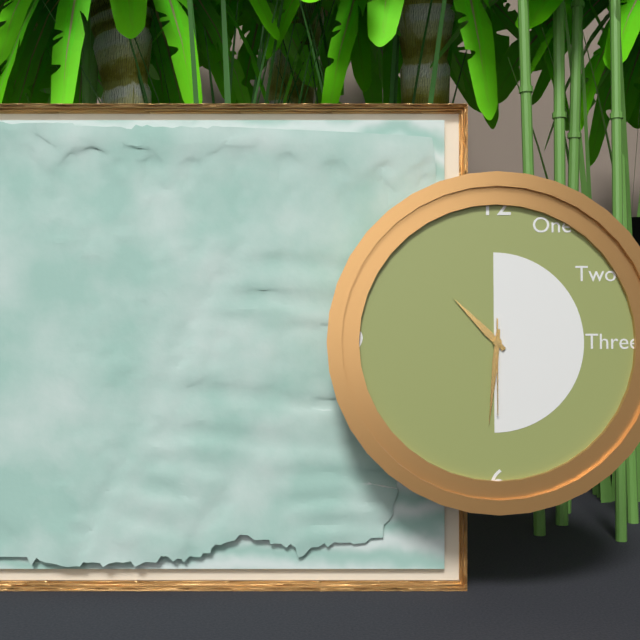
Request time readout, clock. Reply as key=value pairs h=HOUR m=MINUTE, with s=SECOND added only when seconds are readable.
h=10 m=31 s=30
